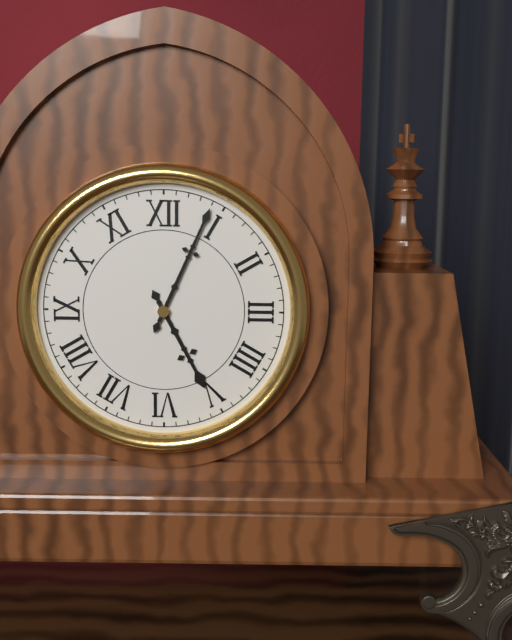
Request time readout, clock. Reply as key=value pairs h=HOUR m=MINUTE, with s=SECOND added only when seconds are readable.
h=5 m=4
